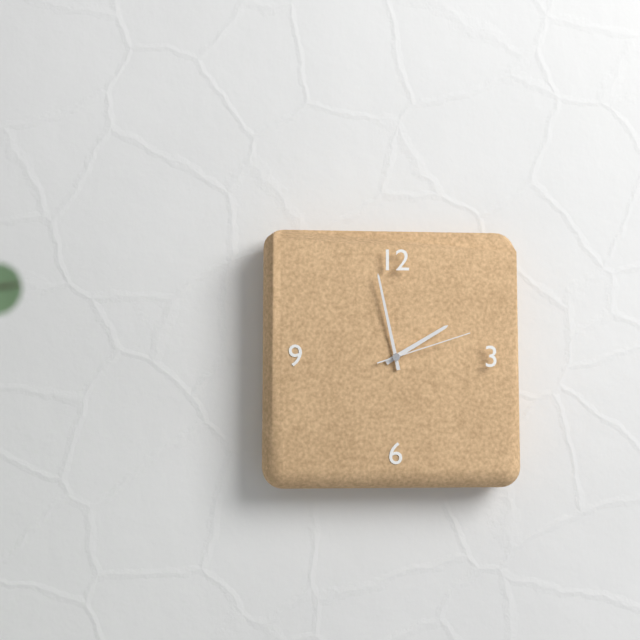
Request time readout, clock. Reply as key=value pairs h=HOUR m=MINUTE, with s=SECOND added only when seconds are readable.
h=1 m=58 s=12
